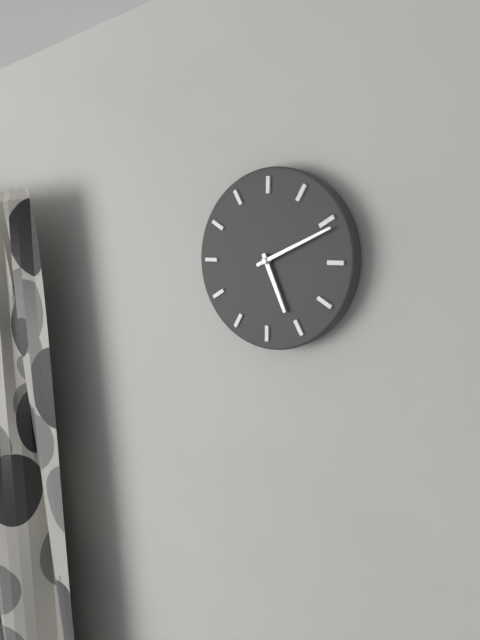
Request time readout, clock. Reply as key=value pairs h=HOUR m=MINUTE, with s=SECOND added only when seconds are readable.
h=5 m=11
